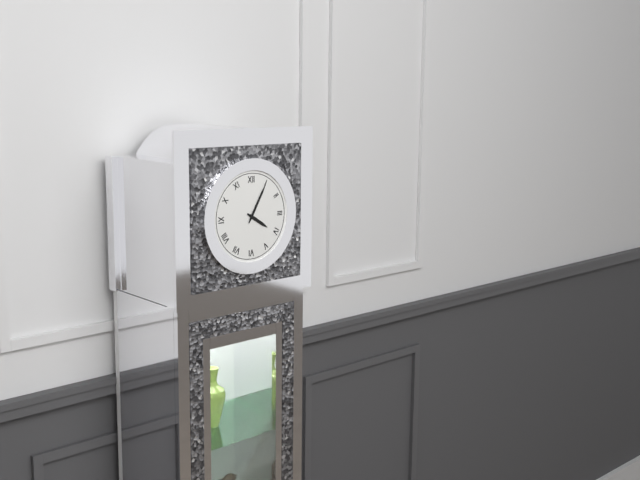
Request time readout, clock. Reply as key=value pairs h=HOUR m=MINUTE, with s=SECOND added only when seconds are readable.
h=4 m=5
